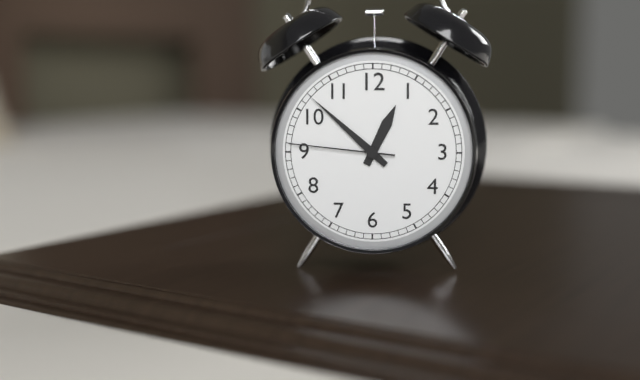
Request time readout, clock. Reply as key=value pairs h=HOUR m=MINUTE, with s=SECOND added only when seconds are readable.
h=12 m=52 s=46
